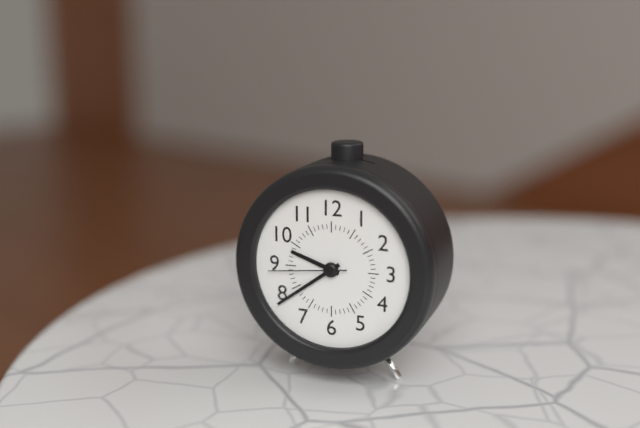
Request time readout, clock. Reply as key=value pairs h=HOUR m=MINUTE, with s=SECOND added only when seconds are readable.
h=9 m=39 s=44
